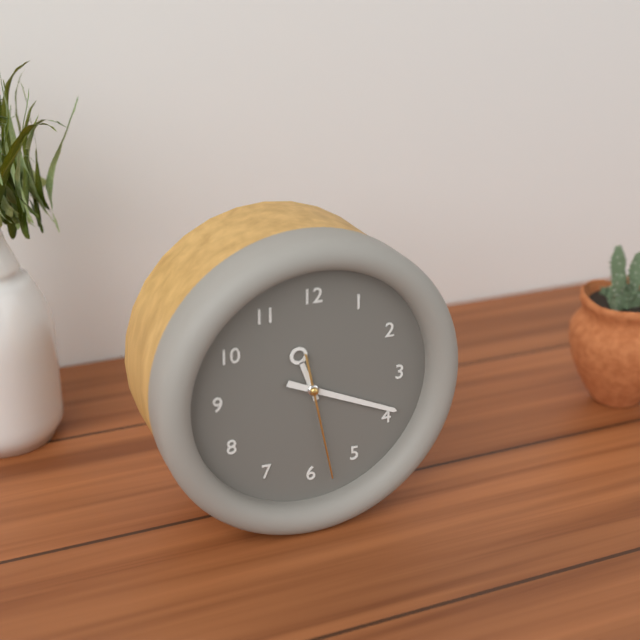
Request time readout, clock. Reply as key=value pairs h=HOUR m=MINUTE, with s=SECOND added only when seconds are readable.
h=11 m=19 s=28
